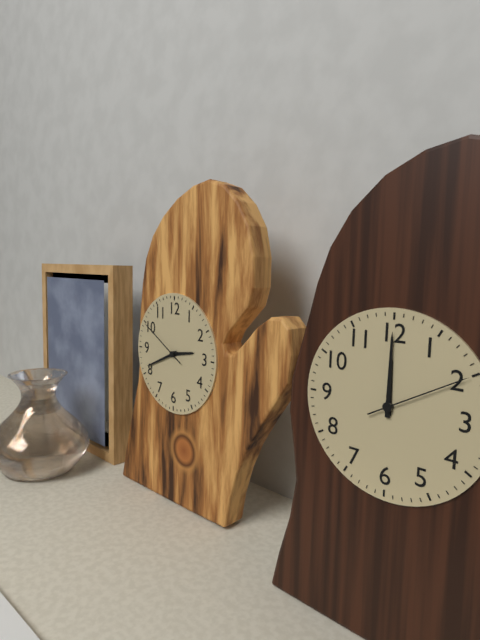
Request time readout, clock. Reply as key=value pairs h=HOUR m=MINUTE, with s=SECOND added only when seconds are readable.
h=2 m=41 s=50
